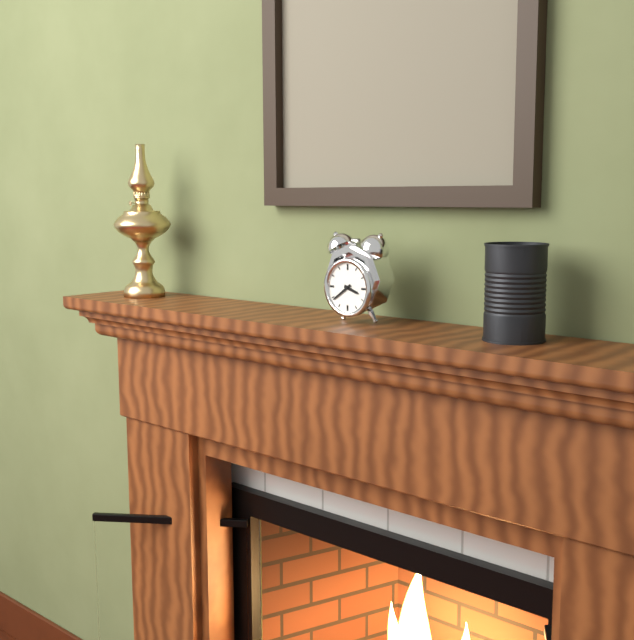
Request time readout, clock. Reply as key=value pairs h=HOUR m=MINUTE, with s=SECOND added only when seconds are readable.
h=3 m=39
